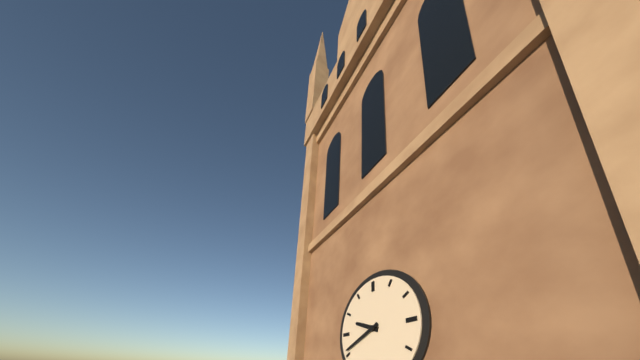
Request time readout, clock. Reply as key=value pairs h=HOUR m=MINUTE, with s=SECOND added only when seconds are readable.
h=9 m=41
